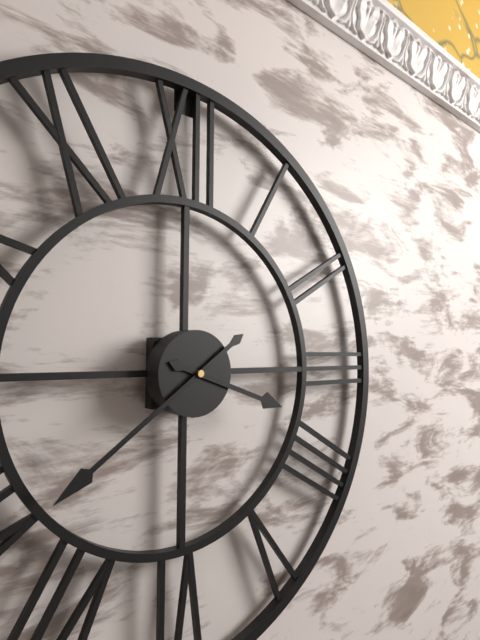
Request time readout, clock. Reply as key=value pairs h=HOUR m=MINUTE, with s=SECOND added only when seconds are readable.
h=3 m=39
